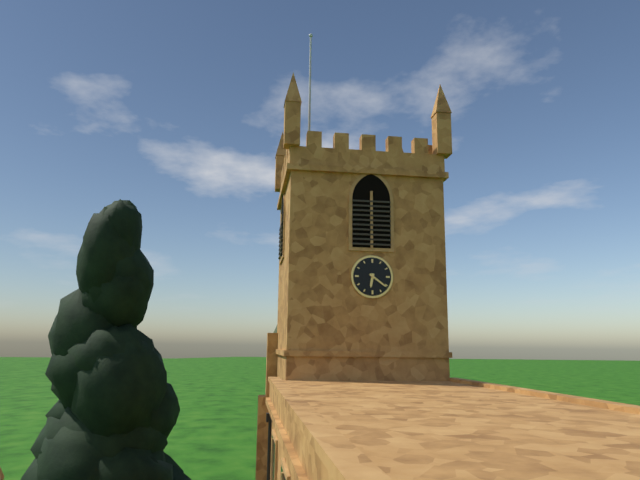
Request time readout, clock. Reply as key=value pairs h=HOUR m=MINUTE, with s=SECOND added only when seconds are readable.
h=6 m=21
